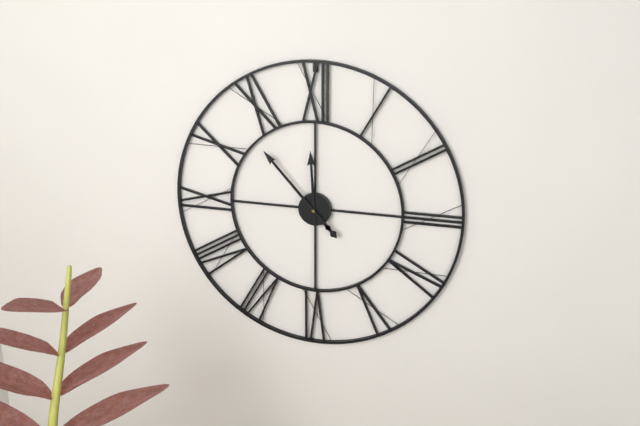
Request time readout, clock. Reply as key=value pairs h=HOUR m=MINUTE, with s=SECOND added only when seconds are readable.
h=11 m=53
